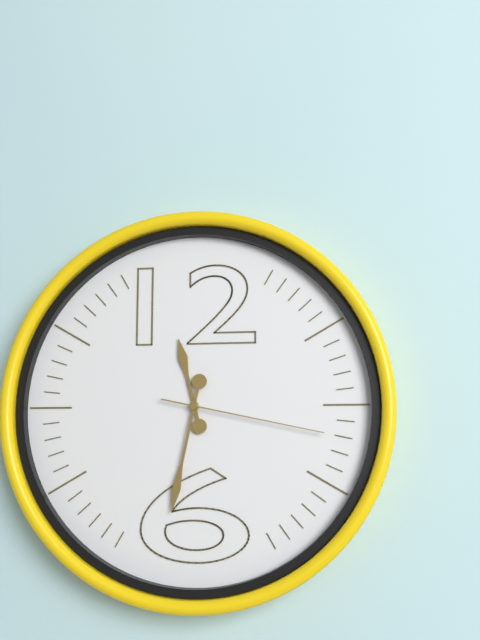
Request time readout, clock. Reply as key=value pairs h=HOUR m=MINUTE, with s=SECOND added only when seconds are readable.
h=11 m=32 s=17
